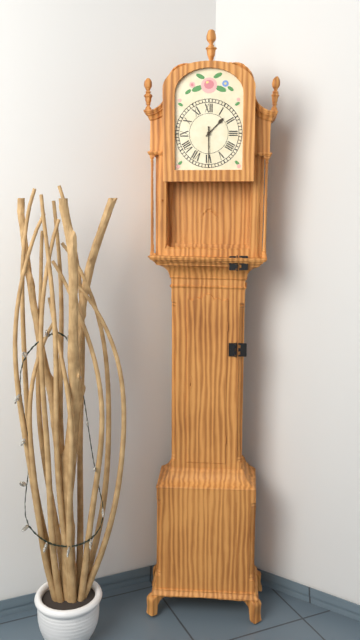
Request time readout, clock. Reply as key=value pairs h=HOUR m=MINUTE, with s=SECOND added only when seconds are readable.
h=1 m=30
